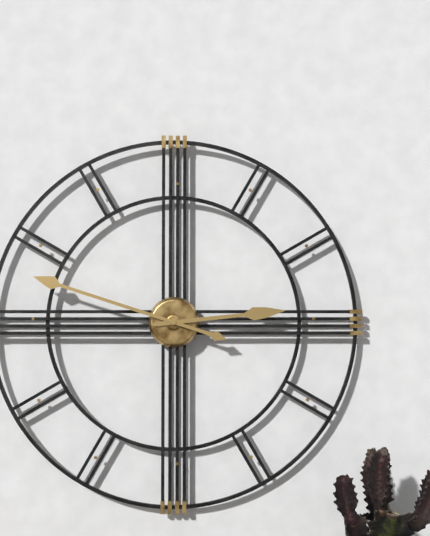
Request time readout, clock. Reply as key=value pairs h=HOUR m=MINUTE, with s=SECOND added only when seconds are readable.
h=2 m=48
